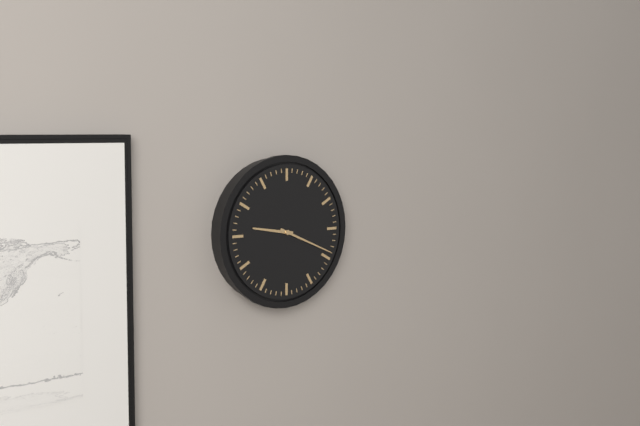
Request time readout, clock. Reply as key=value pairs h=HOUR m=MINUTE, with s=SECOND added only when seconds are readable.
h=9 m=19
